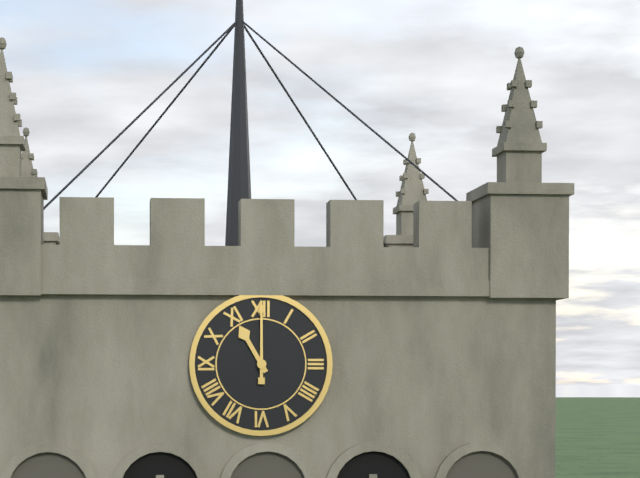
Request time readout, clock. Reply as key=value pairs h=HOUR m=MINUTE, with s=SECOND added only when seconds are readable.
h=11 m=0
